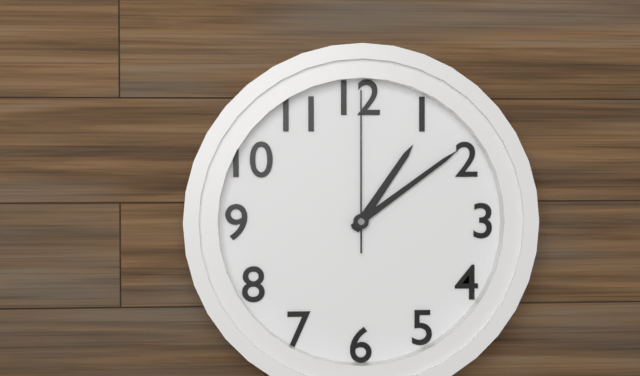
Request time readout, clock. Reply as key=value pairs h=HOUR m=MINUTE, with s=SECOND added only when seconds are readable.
h=1 m=9 s=0
